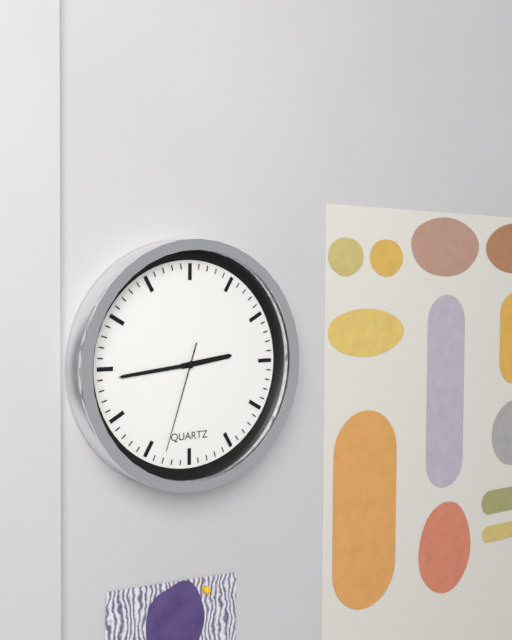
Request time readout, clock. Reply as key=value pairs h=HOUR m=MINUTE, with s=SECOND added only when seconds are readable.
h=2 m=44 s=33
